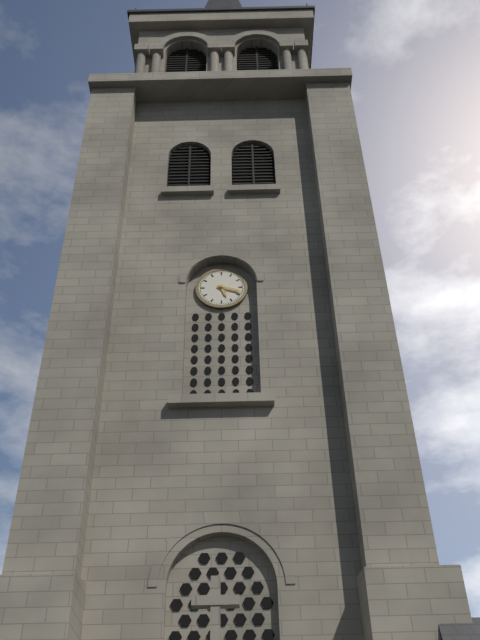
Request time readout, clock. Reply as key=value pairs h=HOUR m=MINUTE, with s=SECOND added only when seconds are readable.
h=5 m=18
